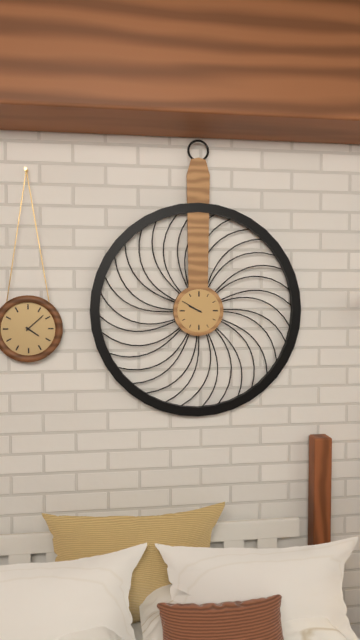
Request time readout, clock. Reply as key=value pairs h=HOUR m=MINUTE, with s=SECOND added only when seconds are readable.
h=9 m=50
